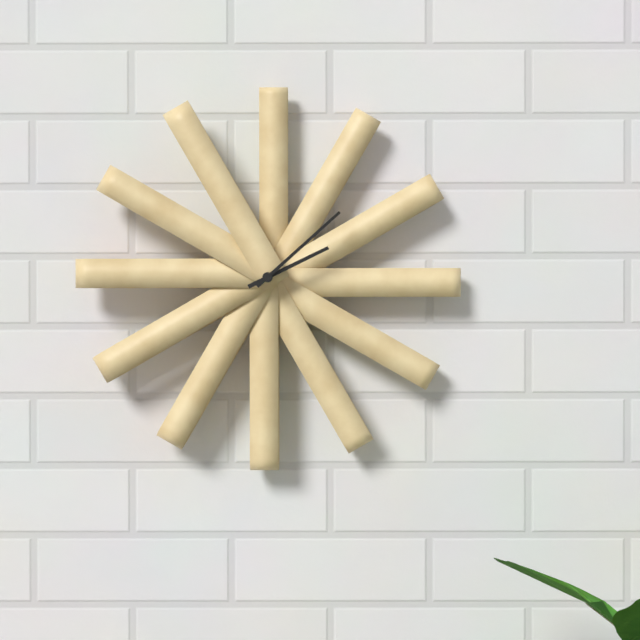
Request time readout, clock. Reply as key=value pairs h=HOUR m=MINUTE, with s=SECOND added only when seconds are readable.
h=2 m=8
